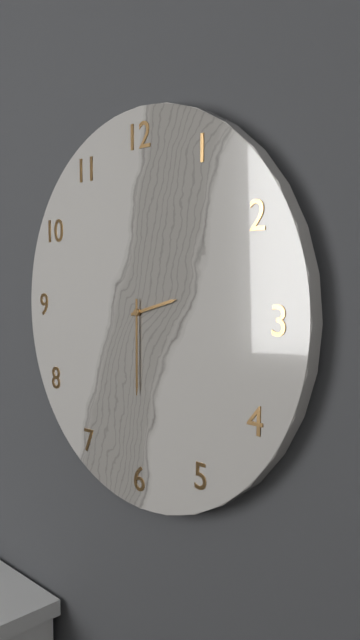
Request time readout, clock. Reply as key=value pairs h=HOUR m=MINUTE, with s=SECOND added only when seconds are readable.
h=2 m=30
